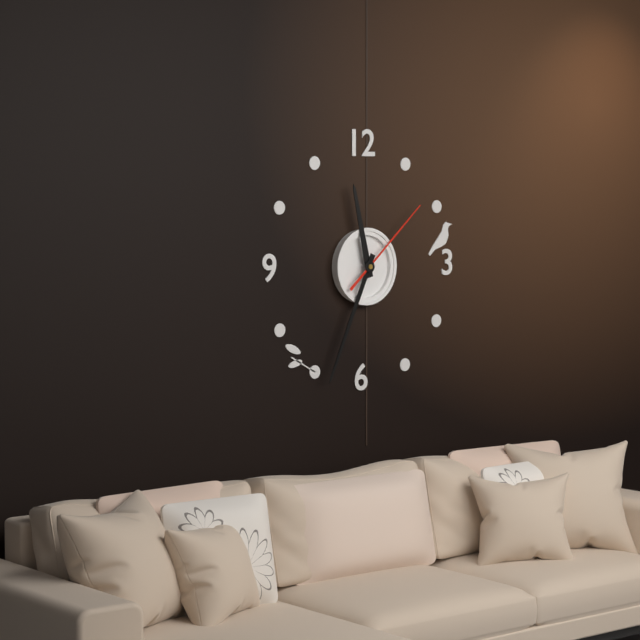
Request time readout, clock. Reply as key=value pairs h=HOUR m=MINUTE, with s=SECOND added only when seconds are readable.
h=11 m=34 s=8
